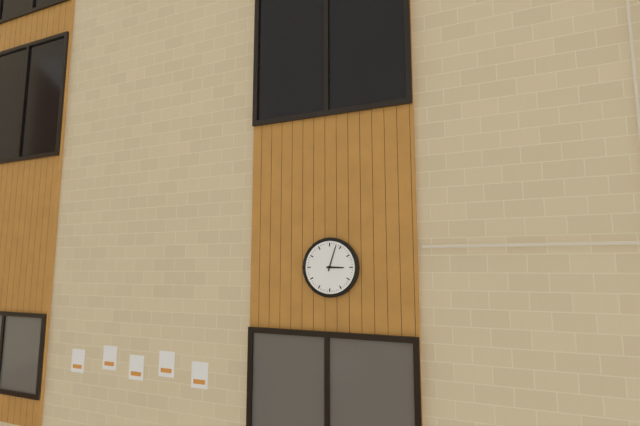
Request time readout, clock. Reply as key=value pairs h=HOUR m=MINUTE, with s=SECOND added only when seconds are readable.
h=3 m=3
